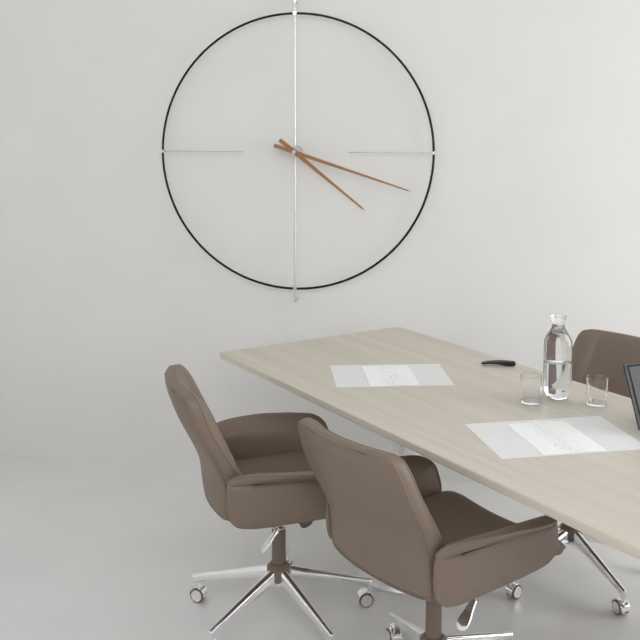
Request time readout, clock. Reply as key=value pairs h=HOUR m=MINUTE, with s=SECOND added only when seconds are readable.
h=4 m=18
